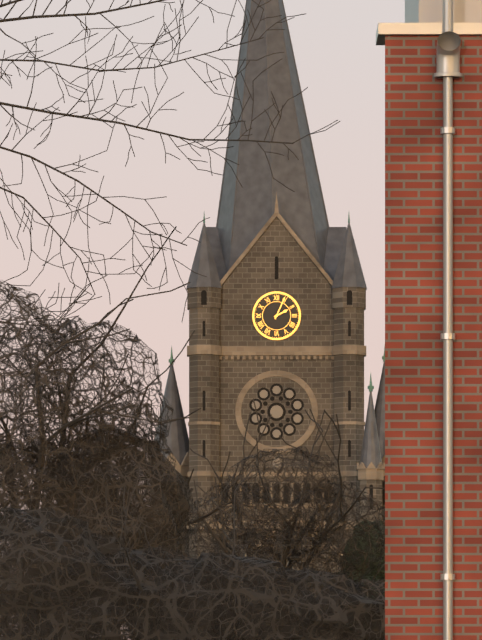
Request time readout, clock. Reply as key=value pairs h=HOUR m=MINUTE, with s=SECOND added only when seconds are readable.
h=2 m=4
